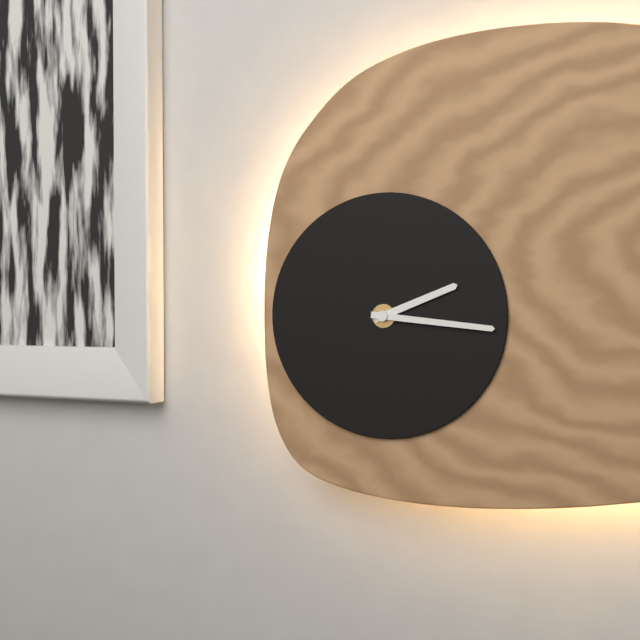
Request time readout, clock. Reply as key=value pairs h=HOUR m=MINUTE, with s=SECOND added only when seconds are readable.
h=2 m=16
